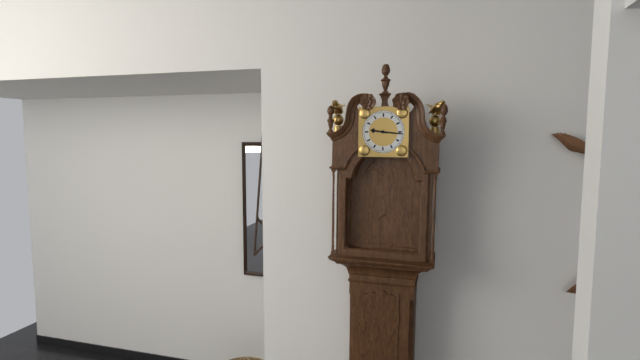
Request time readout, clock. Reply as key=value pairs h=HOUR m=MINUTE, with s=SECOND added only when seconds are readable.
h=9 m=16
